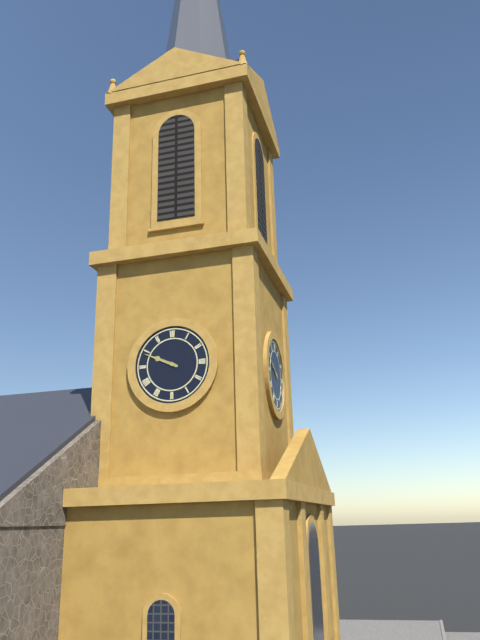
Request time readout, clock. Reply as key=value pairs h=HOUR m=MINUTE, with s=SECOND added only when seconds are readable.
h=9 m=49
